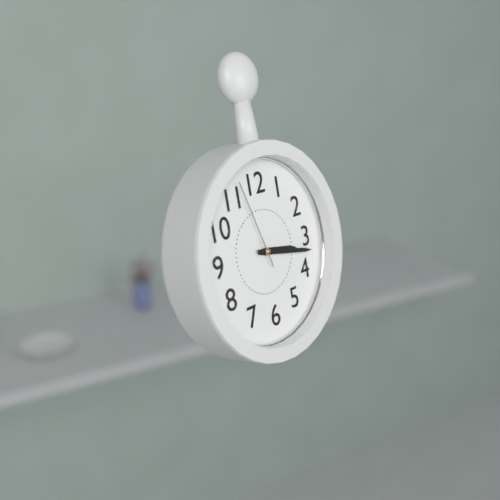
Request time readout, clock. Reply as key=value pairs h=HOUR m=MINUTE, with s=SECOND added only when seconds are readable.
h=3 m=17 s=57
